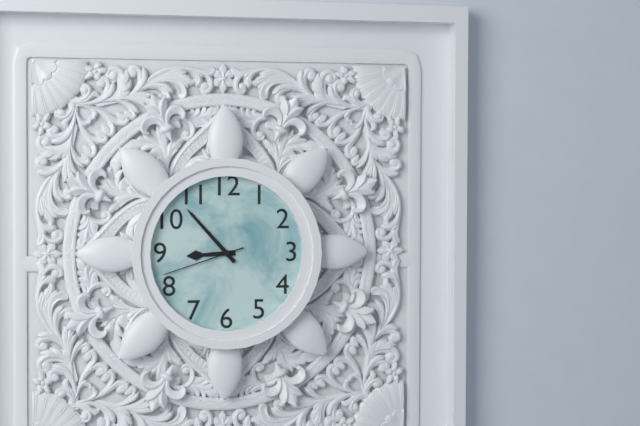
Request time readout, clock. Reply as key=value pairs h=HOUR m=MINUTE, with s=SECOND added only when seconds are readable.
h=8 m=53 s=42
